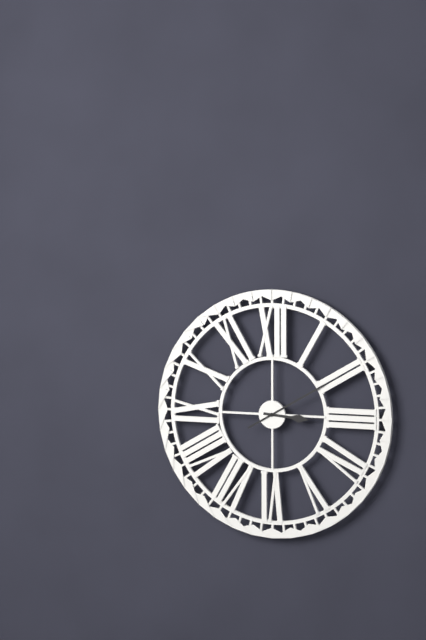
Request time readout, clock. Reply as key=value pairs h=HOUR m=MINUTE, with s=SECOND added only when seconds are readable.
h=3 m=10
